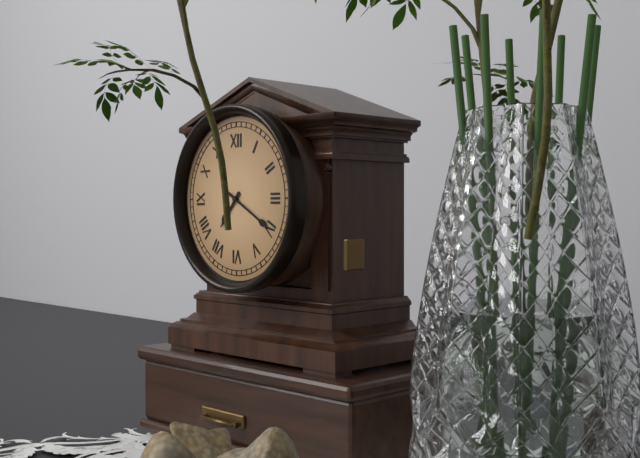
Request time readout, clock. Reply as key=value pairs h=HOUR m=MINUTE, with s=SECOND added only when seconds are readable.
h=7 m=20
